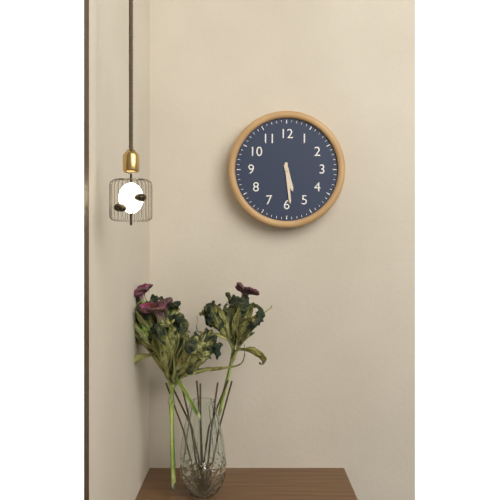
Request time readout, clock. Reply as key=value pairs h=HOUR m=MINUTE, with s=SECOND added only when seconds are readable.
h=5 m=29
